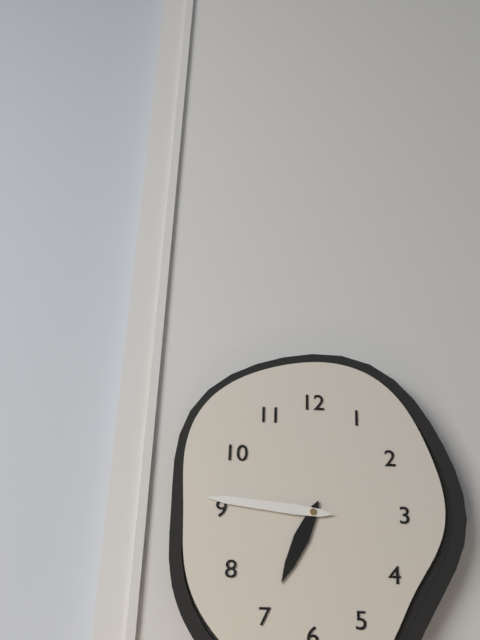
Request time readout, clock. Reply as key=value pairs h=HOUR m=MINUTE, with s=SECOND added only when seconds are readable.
h=6 m=46
